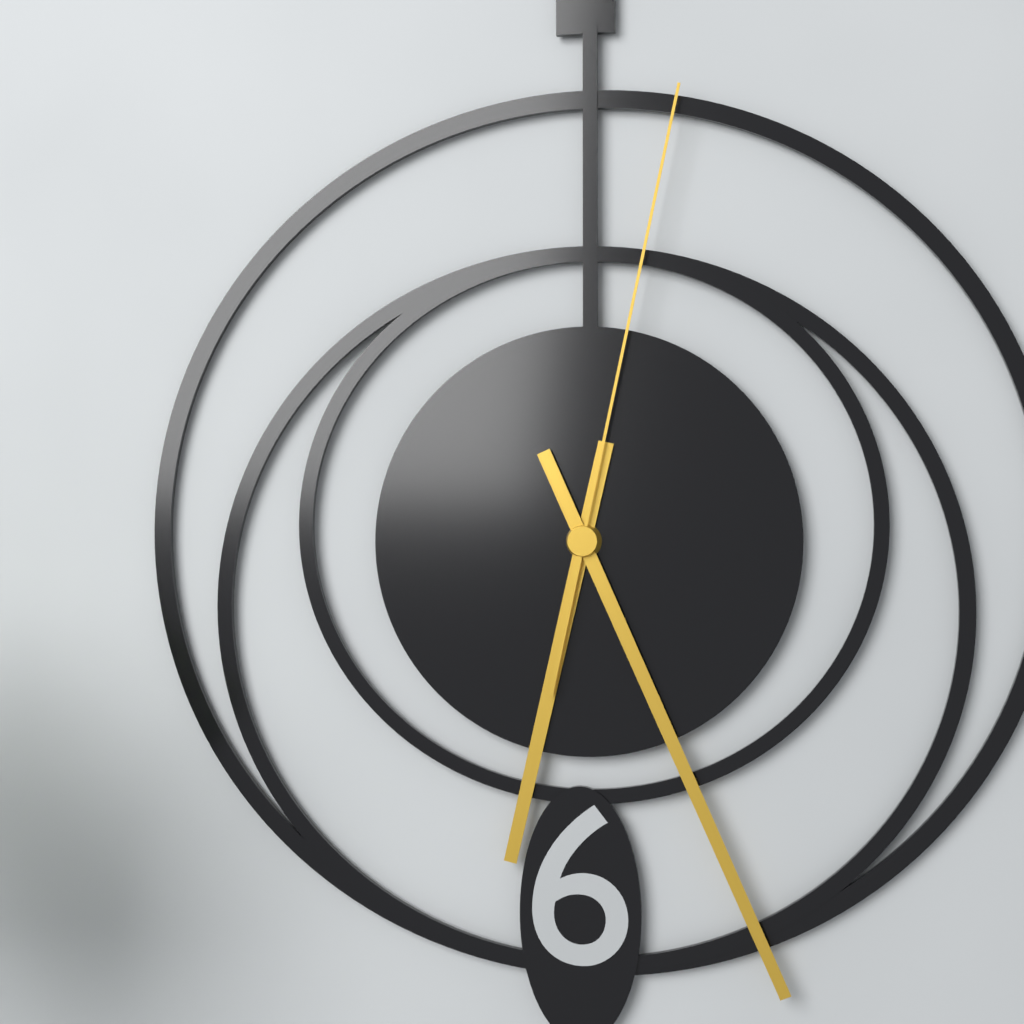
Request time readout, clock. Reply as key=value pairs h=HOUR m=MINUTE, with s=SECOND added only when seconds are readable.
h=6 m=26 s=2
